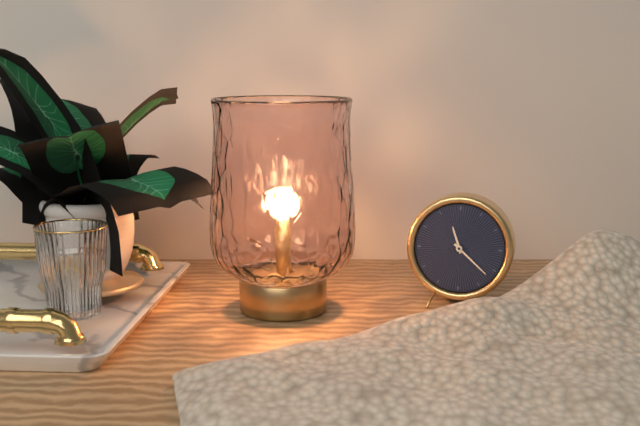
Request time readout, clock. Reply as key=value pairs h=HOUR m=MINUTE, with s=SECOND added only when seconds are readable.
h=11 m=22
